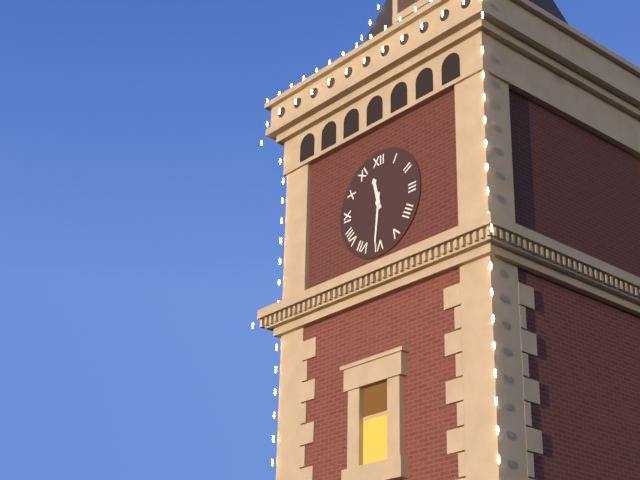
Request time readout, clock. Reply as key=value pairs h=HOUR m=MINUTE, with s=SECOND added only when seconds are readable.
h=11 m=31
